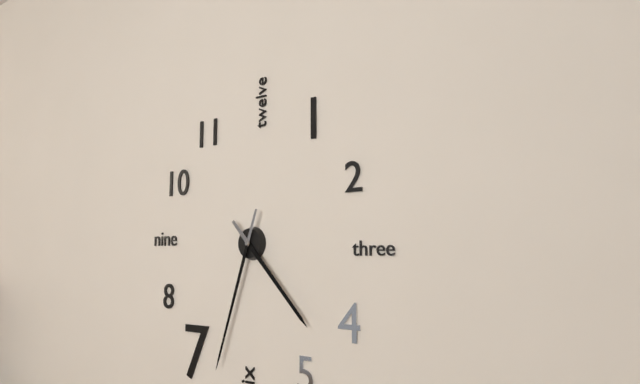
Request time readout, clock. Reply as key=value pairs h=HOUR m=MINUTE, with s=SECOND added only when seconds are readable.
h=4 m=33
